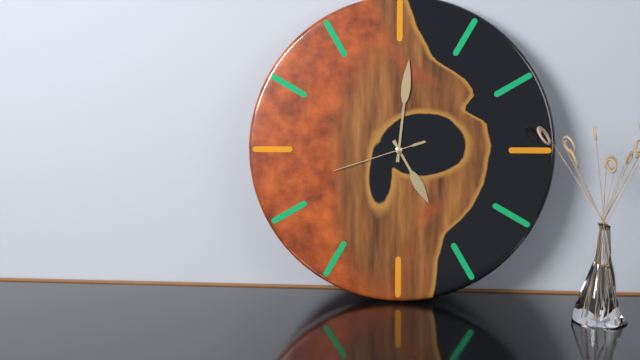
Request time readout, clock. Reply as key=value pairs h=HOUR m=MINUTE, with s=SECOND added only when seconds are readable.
h=5 m=1 s=42
